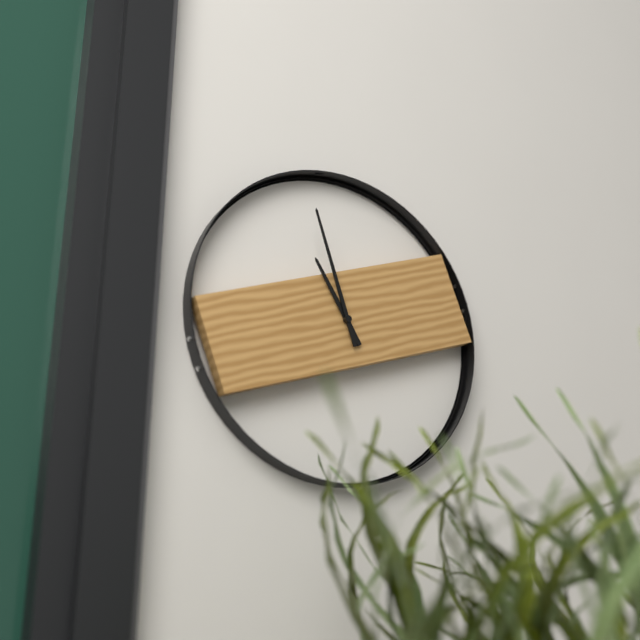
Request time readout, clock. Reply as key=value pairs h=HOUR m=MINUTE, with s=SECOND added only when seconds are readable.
h=10 m=57
